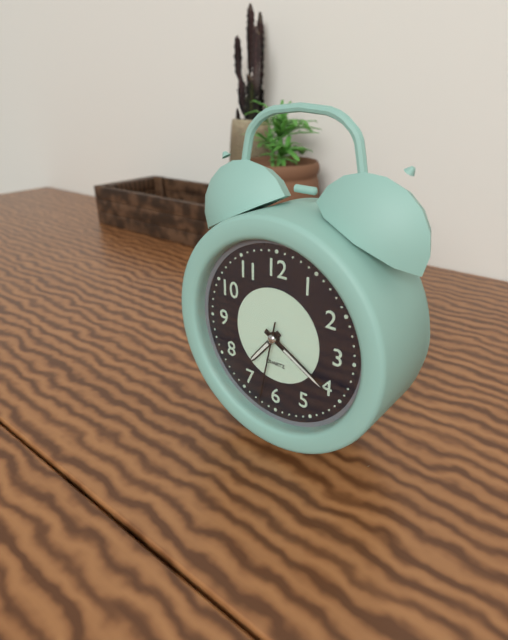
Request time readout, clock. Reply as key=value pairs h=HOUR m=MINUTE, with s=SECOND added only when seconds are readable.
h=7 m=20 s=32
